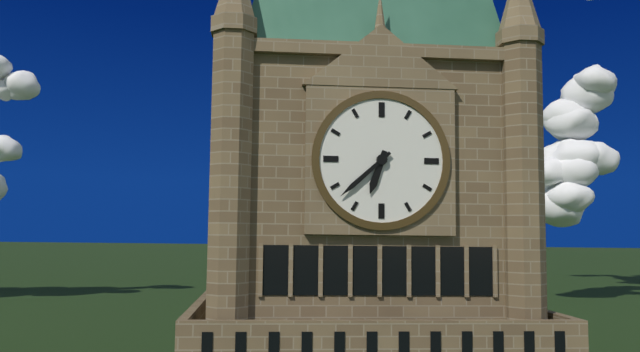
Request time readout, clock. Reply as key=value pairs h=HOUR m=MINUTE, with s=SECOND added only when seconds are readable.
h=6 m=38
